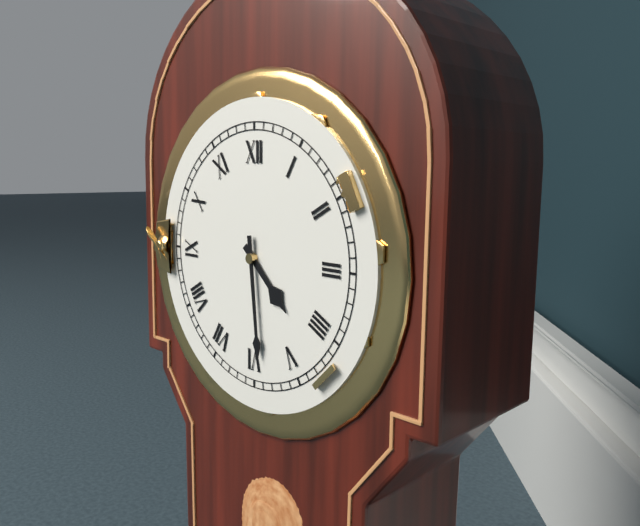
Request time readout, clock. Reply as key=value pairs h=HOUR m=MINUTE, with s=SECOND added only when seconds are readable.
h=4 m=29
